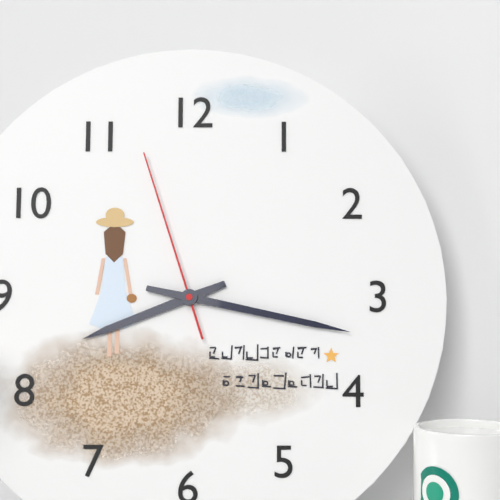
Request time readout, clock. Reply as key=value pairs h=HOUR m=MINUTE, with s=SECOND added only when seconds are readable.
h=8 m=17 s=57
